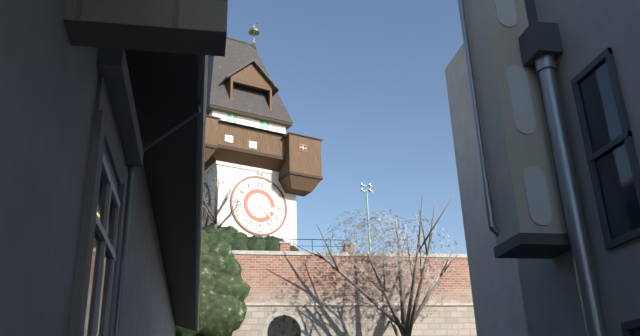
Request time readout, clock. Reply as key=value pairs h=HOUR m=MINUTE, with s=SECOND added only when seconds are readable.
h=3 m=22
